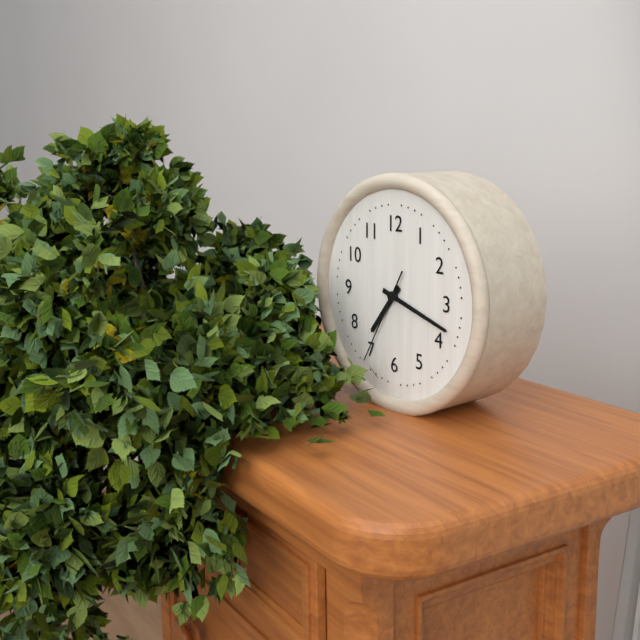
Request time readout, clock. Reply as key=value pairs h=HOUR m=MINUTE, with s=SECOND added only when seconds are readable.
h=7 m=18 s=35
